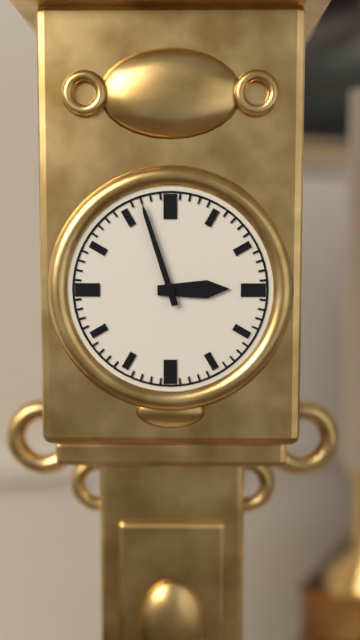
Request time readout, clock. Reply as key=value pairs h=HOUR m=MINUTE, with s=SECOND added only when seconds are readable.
h=2 m=57
